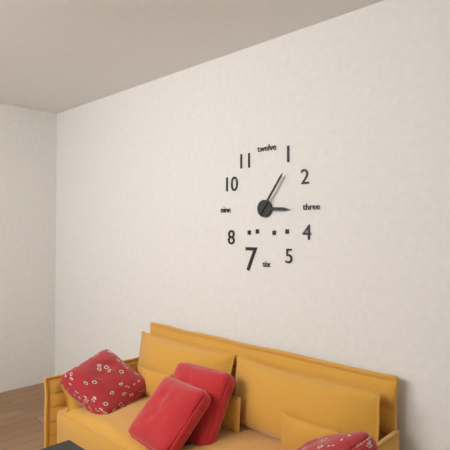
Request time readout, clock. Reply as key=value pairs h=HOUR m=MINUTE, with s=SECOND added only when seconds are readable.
h=3 m=6
